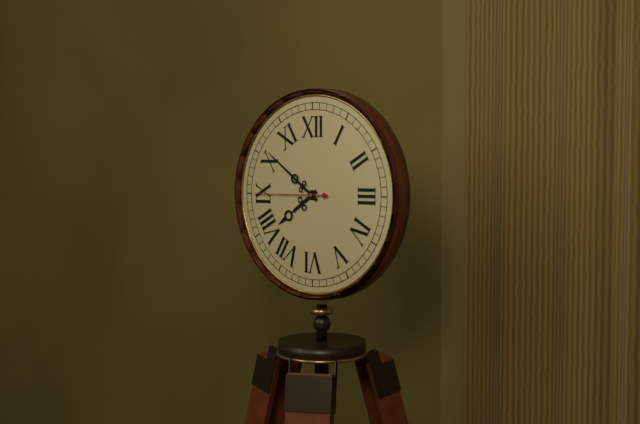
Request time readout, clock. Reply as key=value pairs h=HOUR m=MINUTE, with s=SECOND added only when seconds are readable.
h=7 m=51 s=45
